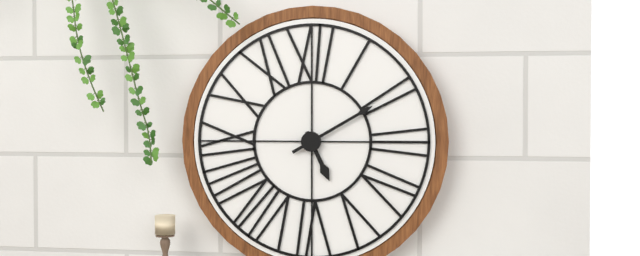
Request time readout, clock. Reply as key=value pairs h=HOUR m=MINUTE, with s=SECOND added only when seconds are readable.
h=5 m=10
